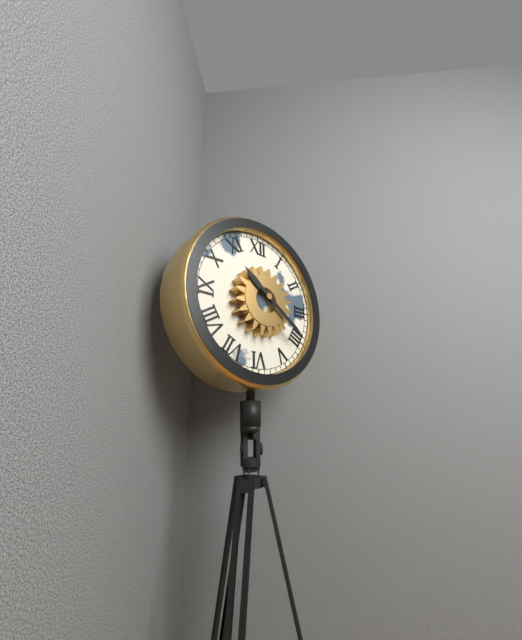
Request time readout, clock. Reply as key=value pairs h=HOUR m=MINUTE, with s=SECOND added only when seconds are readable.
h=10 m=21
